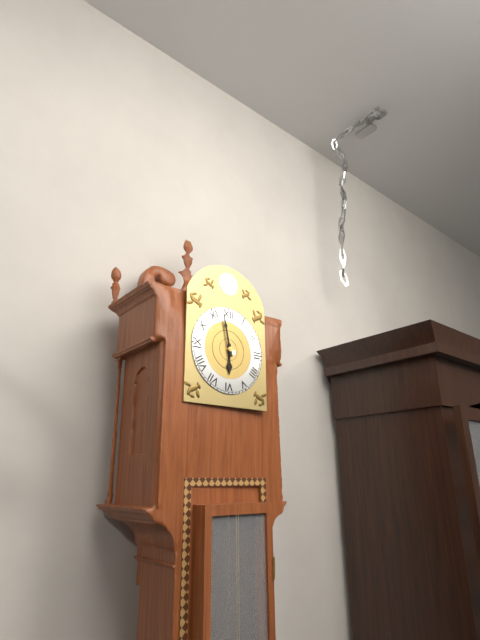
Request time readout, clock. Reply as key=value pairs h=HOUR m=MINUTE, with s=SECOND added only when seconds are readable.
h=5 m=58
